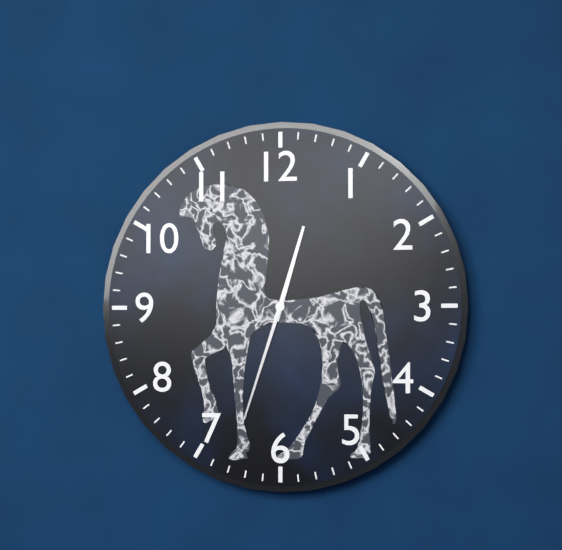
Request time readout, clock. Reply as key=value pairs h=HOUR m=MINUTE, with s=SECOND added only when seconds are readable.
h=12 m=33
